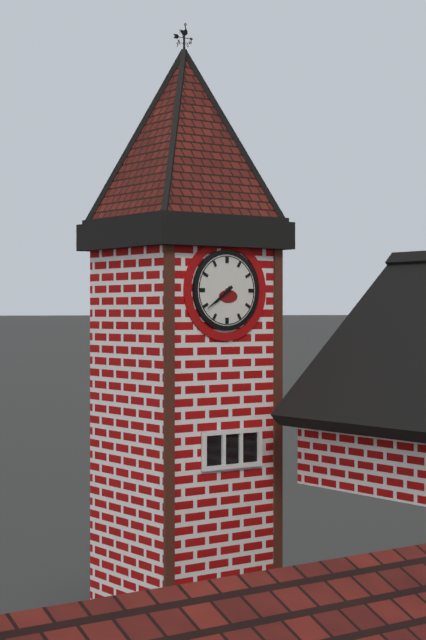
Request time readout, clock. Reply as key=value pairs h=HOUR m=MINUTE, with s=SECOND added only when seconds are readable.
h=7 m=39
